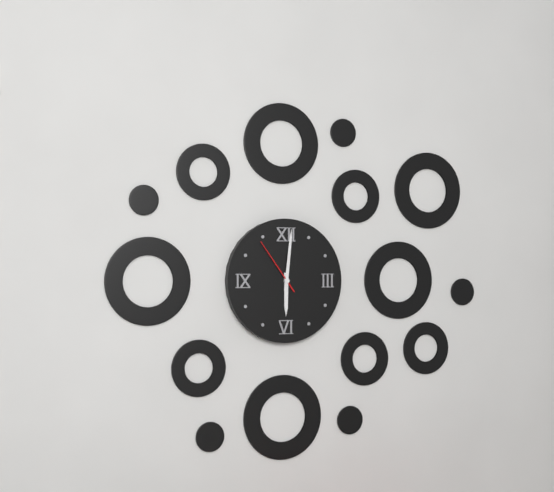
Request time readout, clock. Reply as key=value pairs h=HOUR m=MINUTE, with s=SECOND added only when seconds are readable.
h=6 m=1 s=54
